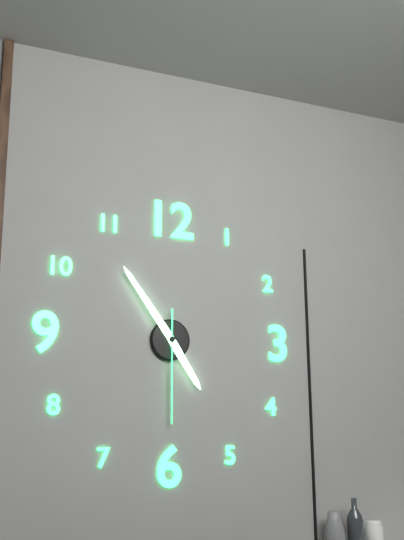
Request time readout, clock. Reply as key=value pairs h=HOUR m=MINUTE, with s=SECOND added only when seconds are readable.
h=4 m=54 s=30
